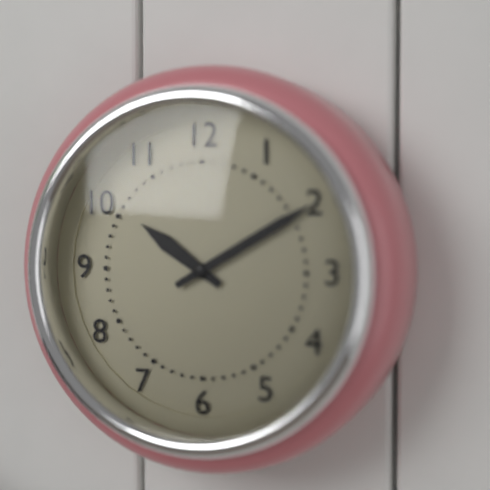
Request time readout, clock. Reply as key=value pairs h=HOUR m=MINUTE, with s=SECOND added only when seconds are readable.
h=10 m=10
